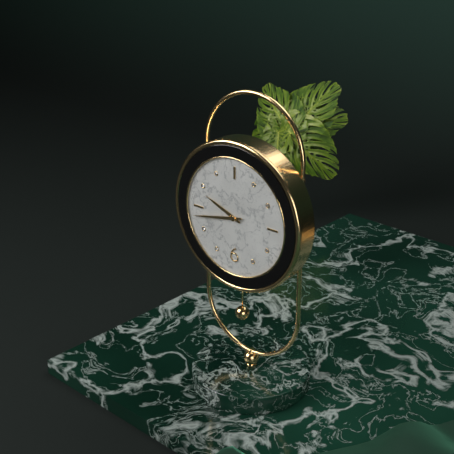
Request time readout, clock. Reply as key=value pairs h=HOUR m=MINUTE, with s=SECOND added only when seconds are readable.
h=9 m=43
